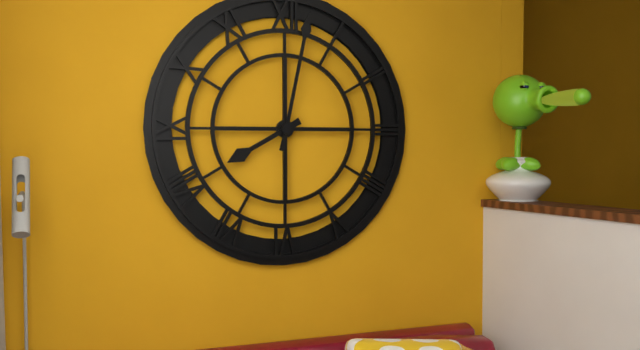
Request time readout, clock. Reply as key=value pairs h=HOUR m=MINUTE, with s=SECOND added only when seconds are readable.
h=8 m=2
